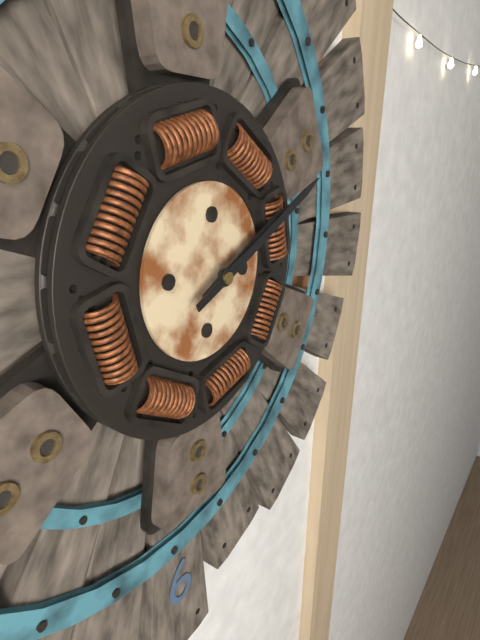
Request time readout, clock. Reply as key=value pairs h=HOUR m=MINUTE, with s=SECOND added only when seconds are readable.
h=2 m=11
